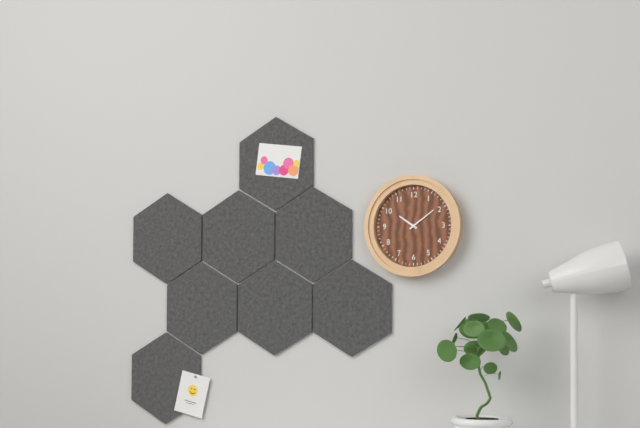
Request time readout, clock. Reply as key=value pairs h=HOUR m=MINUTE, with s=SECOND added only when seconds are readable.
h=10 m=9
